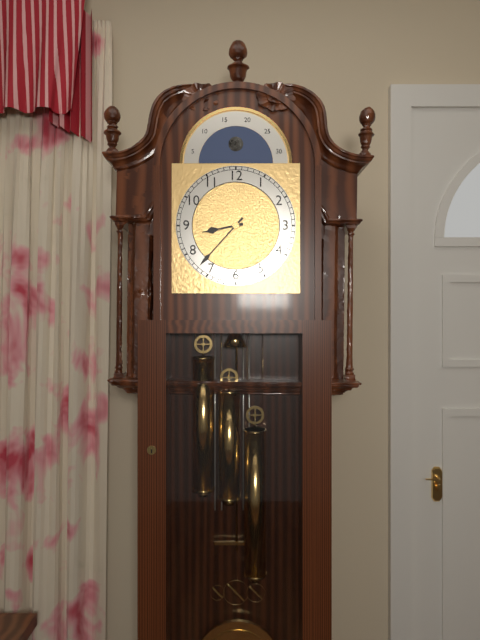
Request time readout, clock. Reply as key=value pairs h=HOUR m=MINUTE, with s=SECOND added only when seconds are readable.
h=8 m=37
